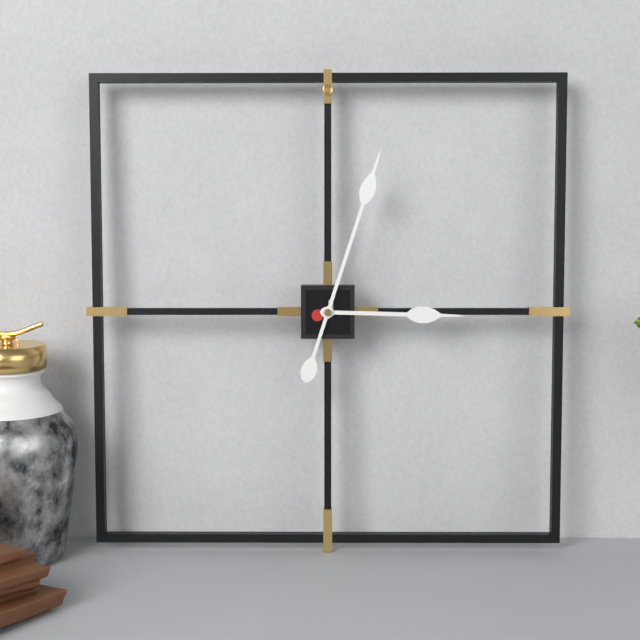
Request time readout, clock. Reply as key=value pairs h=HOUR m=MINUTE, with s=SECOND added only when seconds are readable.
h=3 m=3
